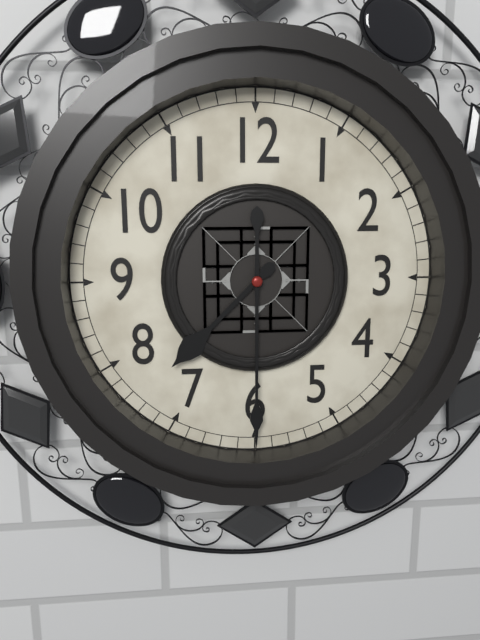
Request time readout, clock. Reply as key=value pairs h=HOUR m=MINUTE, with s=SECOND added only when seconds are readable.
h=7 m=30
